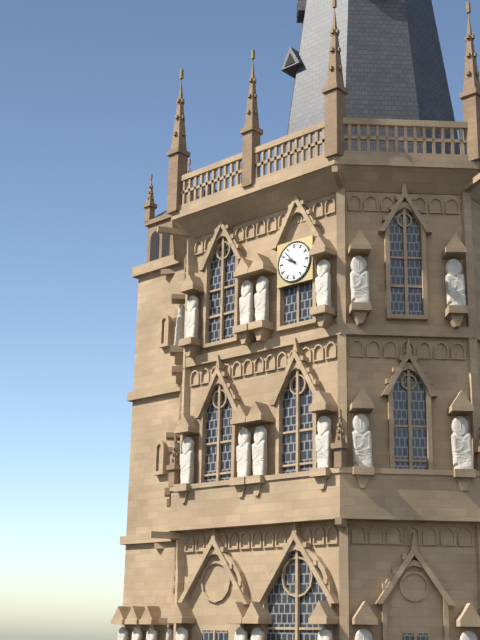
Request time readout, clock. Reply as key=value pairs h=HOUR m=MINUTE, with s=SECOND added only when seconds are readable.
h=9 m=53
